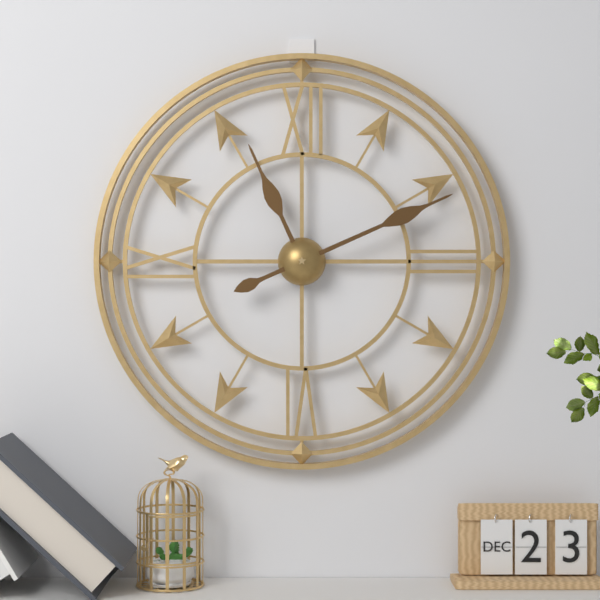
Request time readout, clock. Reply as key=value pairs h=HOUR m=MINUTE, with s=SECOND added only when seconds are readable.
h=11 m=11
